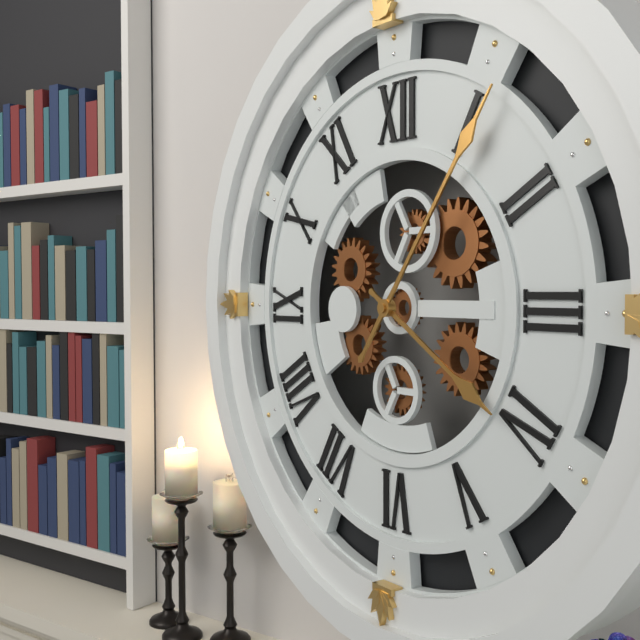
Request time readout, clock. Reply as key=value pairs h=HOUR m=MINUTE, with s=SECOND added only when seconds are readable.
h=4 m=6
